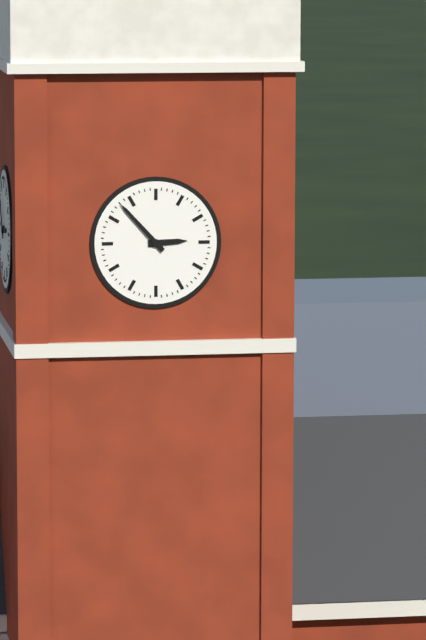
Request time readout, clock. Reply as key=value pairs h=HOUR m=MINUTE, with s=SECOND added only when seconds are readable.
h=2 m=53
